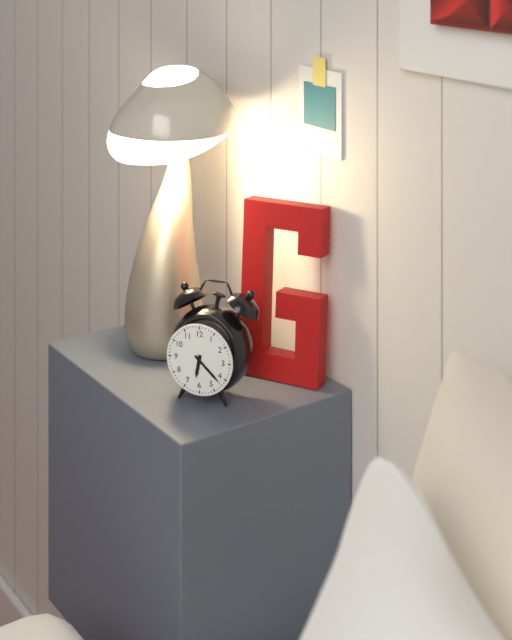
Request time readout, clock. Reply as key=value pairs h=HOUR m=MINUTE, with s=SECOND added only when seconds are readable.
h=6 m=22
